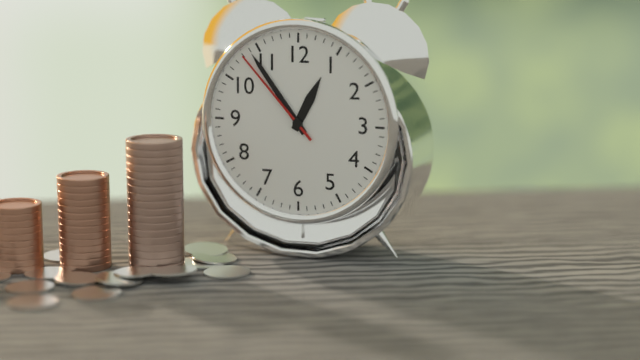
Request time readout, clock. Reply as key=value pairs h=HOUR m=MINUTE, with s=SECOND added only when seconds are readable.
h=12 m=54 s=53
